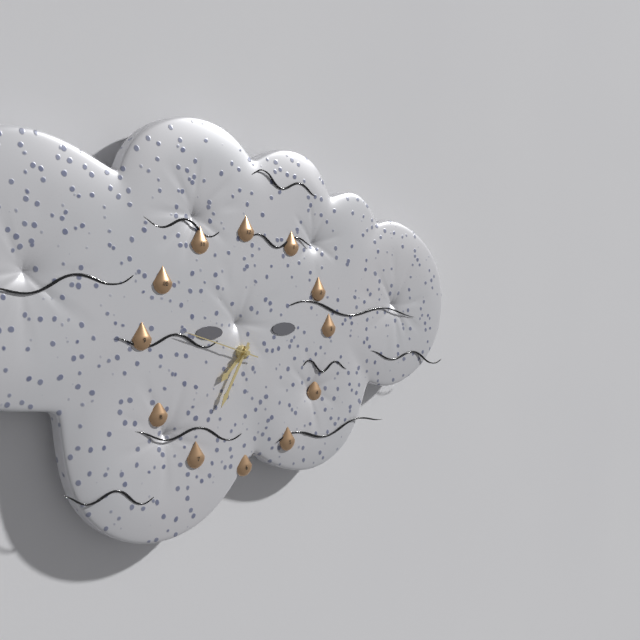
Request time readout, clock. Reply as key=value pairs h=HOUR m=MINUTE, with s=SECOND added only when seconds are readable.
h=7 m=35 s=48
